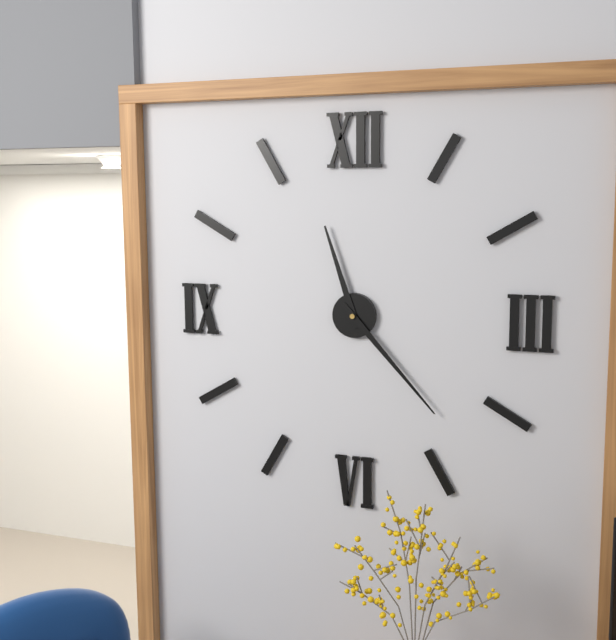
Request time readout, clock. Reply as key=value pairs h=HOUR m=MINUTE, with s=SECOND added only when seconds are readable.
h=11 m=23
